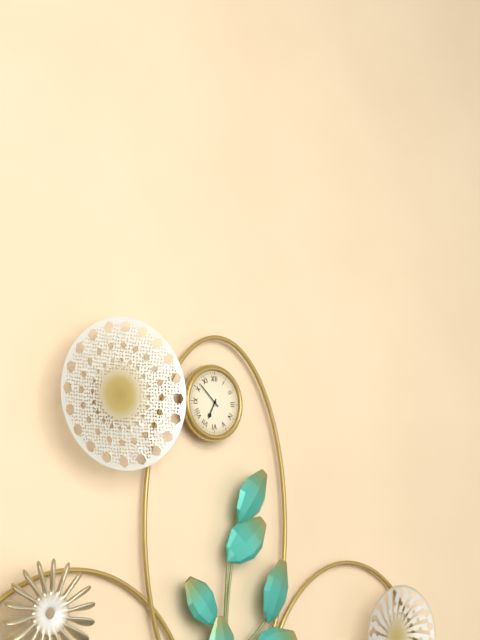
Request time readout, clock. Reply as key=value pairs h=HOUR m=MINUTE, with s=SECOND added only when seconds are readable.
h=6 m=52
